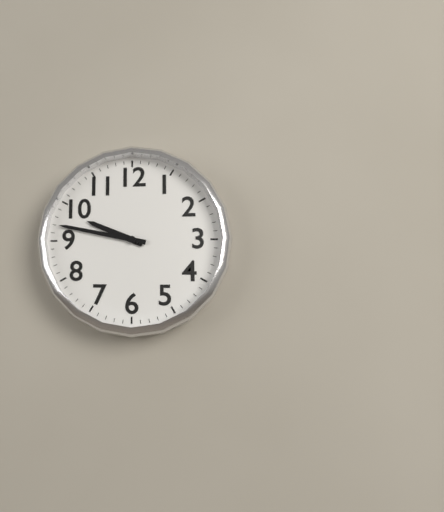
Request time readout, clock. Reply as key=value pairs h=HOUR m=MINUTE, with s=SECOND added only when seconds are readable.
h=9 m=47
